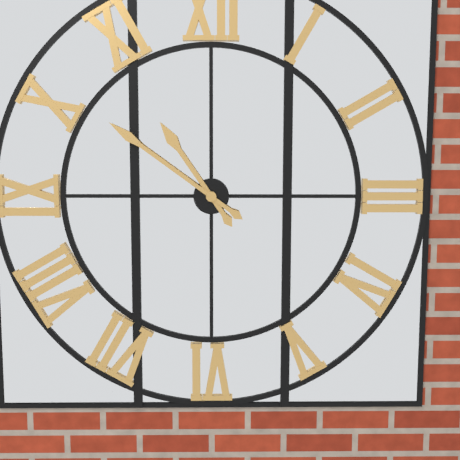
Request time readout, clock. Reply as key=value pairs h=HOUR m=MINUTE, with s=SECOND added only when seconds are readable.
h=10 m=51
